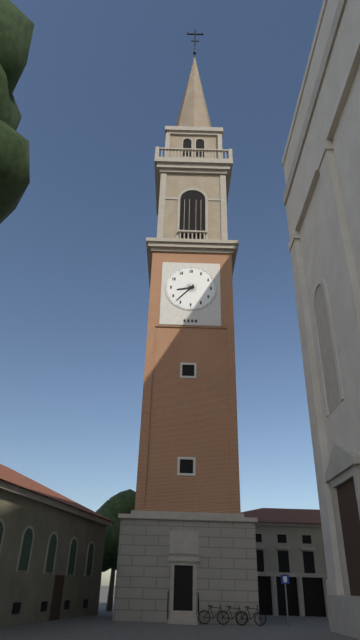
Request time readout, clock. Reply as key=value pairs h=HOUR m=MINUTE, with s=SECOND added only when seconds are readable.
h=8 m=37
